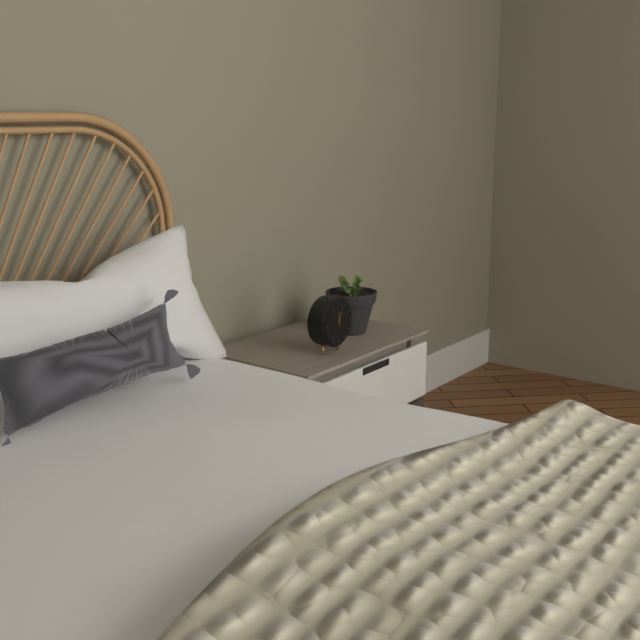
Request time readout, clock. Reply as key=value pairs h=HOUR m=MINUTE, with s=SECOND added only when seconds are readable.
h=12 m=3
